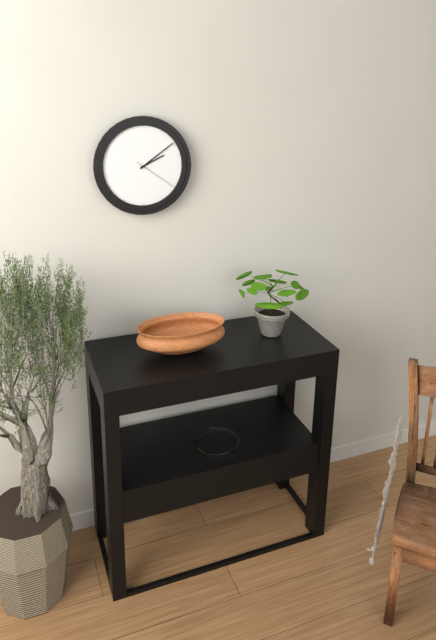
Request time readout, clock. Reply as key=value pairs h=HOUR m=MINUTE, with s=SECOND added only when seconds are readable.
h=2 m=9
